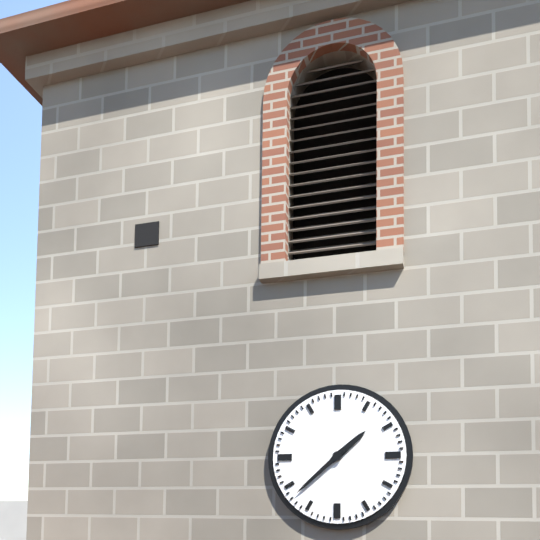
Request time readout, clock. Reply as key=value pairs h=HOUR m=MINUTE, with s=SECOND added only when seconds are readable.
h=1 m=38
